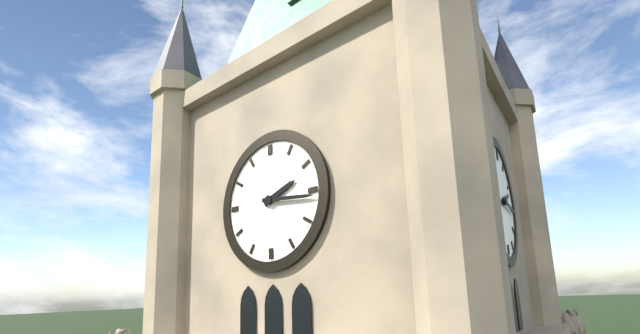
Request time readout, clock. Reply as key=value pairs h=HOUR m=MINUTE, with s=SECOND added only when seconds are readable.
h=2 m=16
